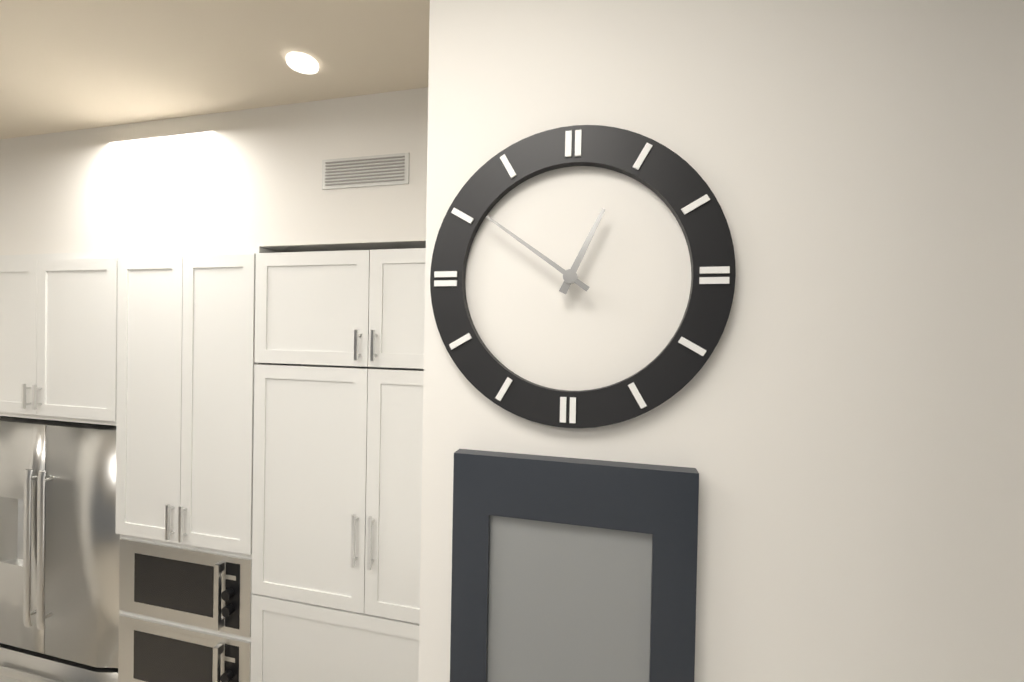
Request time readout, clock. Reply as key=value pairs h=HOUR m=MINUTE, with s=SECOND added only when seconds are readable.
h=12 m=51
